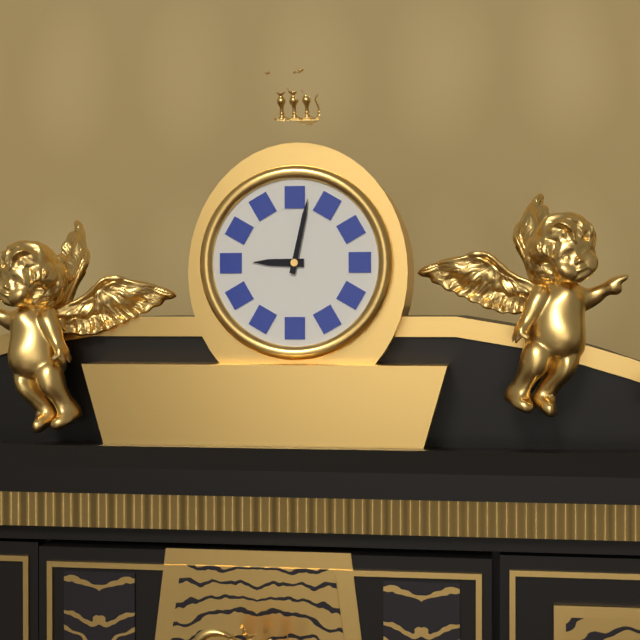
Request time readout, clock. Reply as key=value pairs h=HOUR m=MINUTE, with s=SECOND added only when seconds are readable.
h=9 m=2
